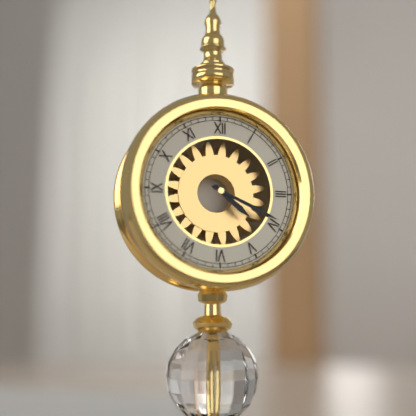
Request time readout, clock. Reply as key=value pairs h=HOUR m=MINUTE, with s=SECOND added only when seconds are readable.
h=4 m=19
